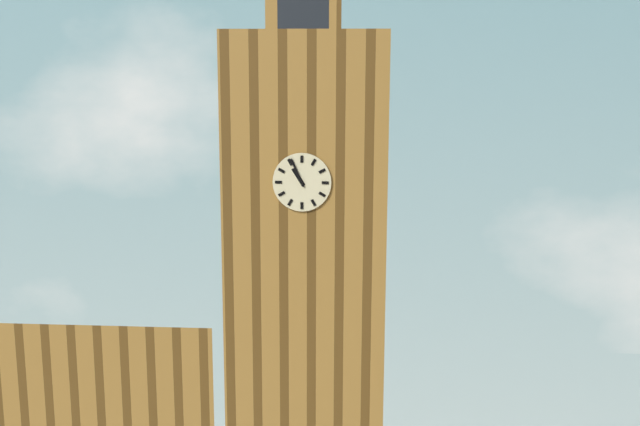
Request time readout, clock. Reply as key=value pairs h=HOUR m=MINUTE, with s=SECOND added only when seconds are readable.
h=10 m=56
